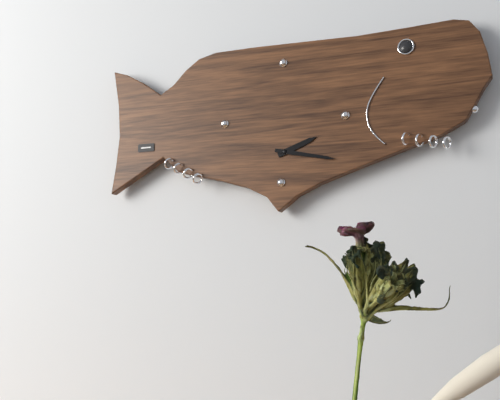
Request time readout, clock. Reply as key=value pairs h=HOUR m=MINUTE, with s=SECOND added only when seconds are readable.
h=2 m=17
